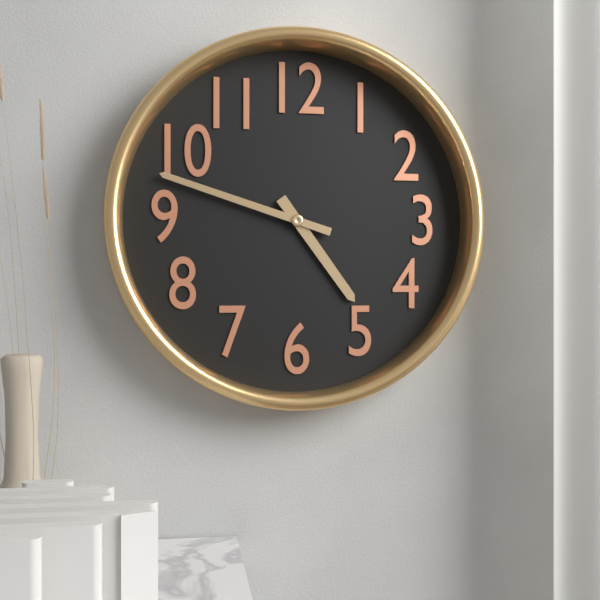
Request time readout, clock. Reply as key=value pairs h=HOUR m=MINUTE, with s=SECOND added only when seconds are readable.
h=4 m=48
